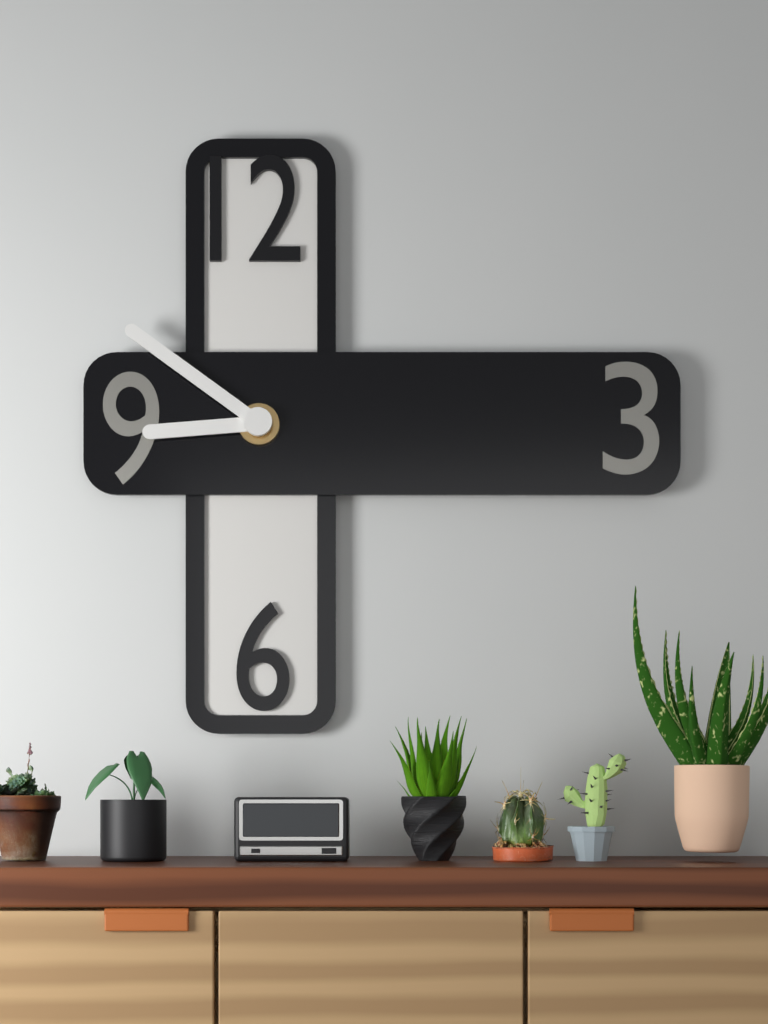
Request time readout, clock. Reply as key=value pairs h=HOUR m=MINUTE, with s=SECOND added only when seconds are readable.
h=8 m=51
